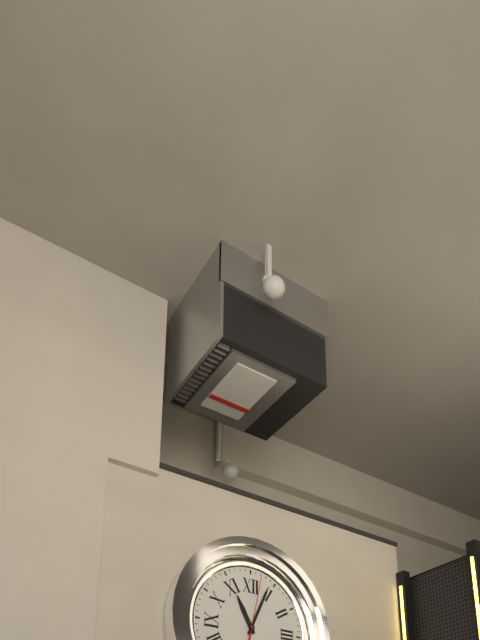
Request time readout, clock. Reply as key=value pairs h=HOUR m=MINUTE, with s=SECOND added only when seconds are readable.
h=11 m=4 s=2
